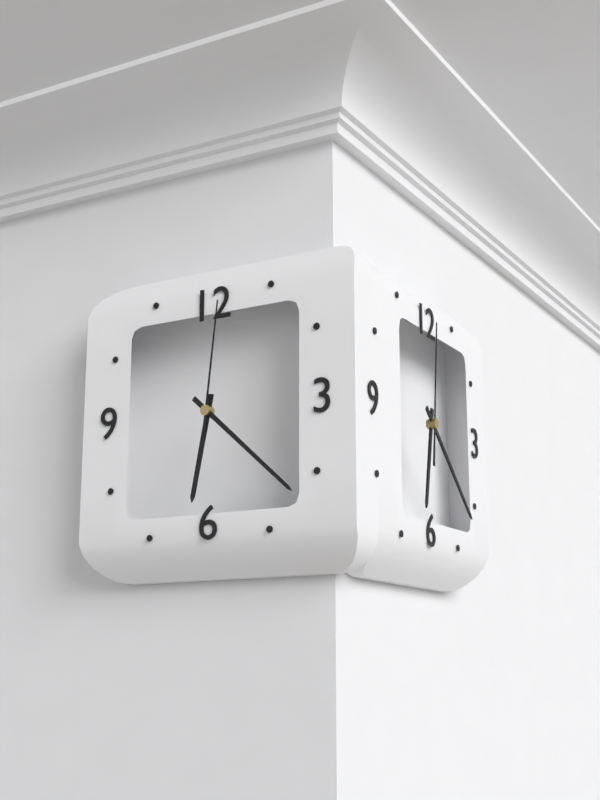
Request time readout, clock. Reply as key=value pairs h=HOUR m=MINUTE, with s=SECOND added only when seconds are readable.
h=6 m=22 s=1
